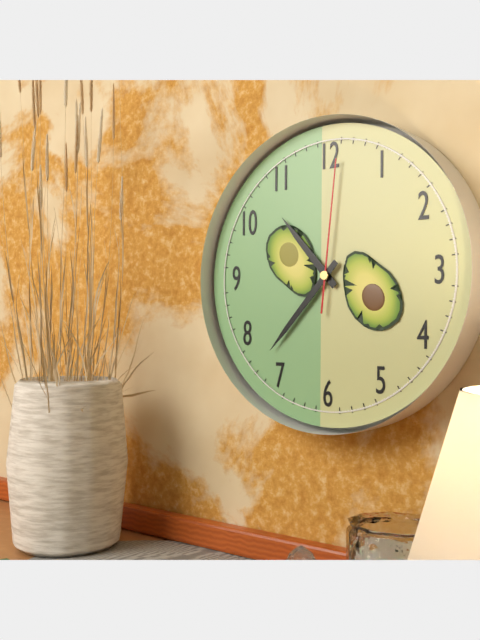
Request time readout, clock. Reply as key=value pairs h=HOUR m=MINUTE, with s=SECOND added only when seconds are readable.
h=10 m=37 s=1
